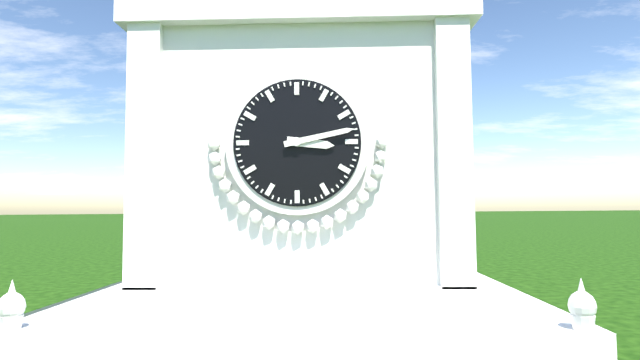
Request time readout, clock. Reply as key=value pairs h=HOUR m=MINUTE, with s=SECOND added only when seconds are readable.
h=3 m=13
